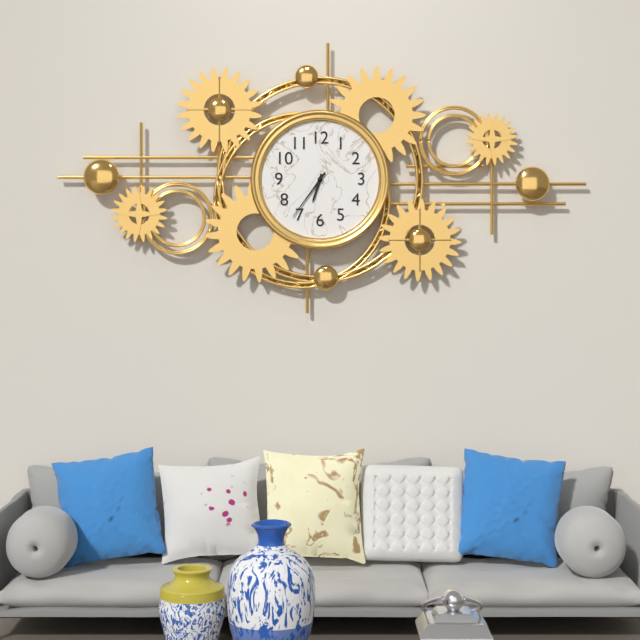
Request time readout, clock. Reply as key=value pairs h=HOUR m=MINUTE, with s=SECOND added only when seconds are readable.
h=6 m=36
